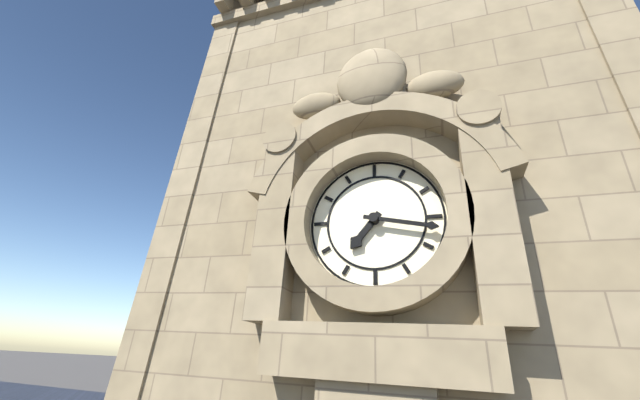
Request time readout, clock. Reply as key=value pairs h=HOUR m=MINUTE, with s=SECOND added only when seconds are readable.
h=7 m=17
